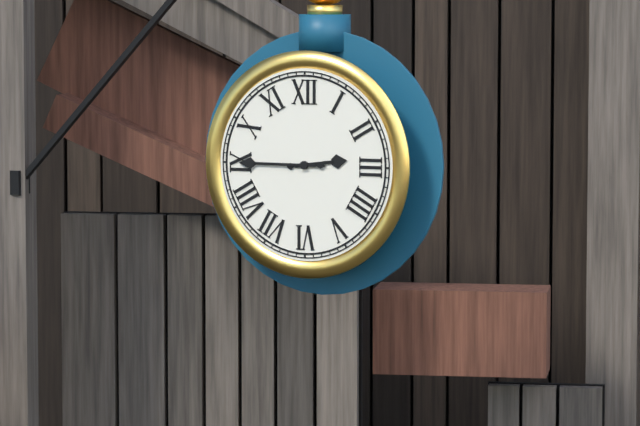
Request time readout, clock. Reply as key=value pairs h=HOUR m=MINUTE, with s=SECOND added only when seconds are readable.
h=2 m=45
